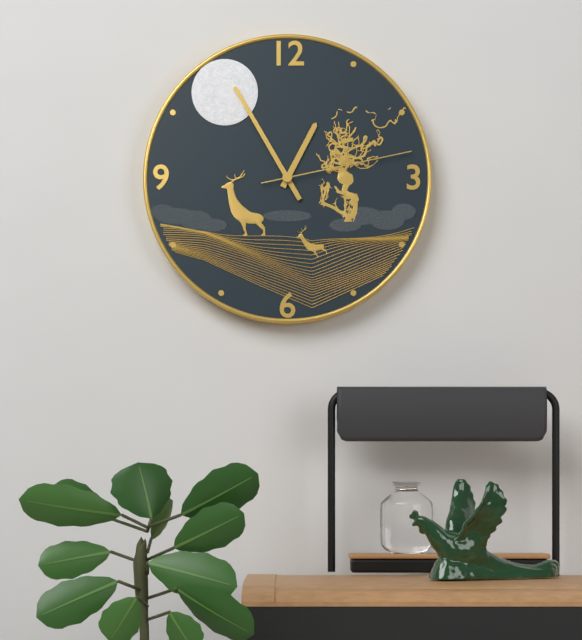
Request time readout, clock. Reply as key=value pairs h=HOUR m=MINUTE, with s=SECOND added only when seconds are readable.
h=12 m=55 s=13
